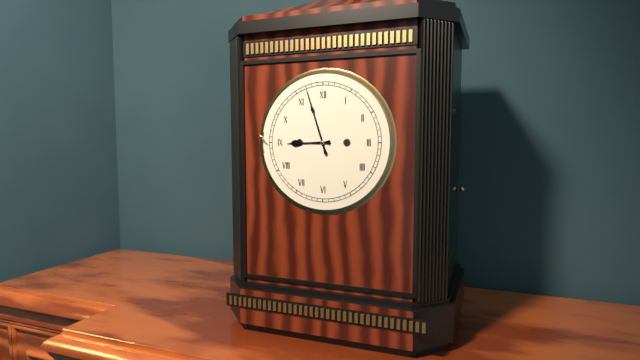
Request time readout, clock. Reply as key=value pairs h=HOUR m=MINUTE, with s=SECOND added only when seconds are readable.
h=8 m=57
